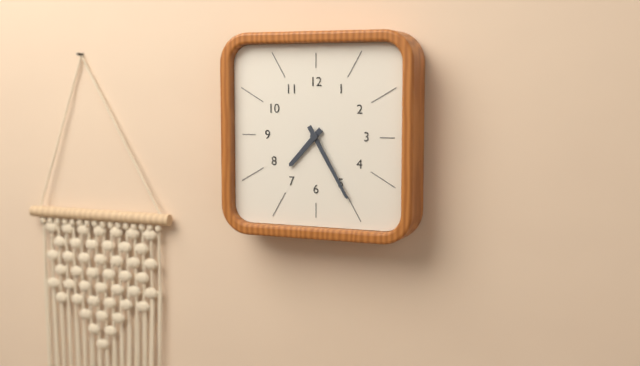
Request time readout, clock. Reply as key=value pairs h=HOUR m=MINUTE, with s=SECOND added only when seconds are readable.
h=7 m=25
